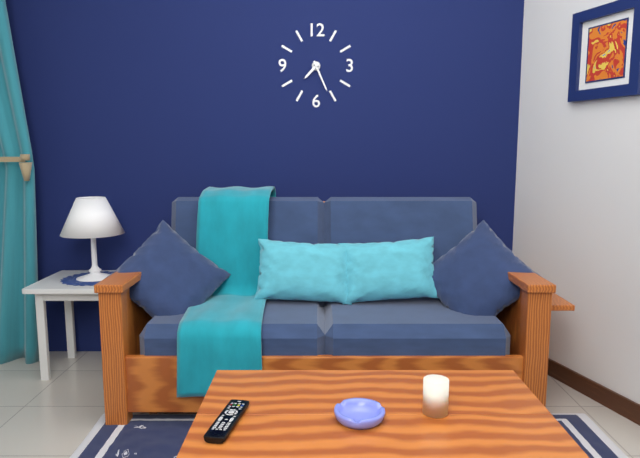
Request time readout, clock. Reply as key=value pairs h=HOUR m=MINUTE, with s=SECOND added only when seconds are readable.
h=7 m=26
